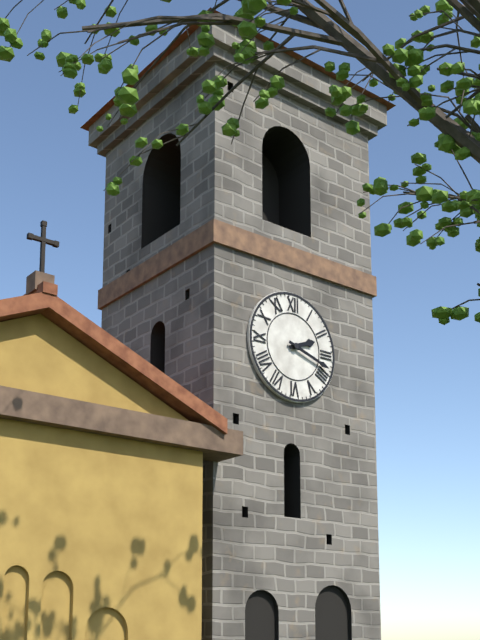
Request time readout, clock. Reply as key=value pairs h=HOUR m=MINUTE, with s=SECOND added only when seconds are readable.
h=2 m=18
